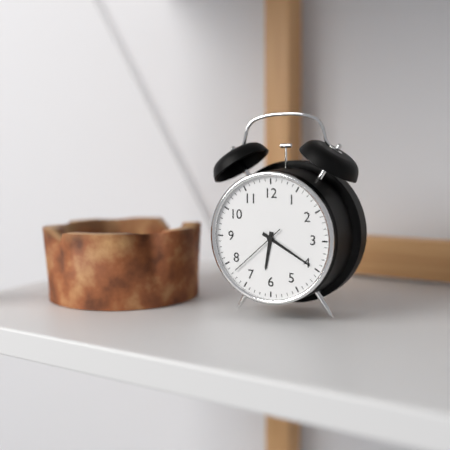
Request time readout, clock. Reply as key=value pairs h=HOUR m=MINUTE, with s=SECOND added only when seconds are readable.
h=6 m=20 s=38
